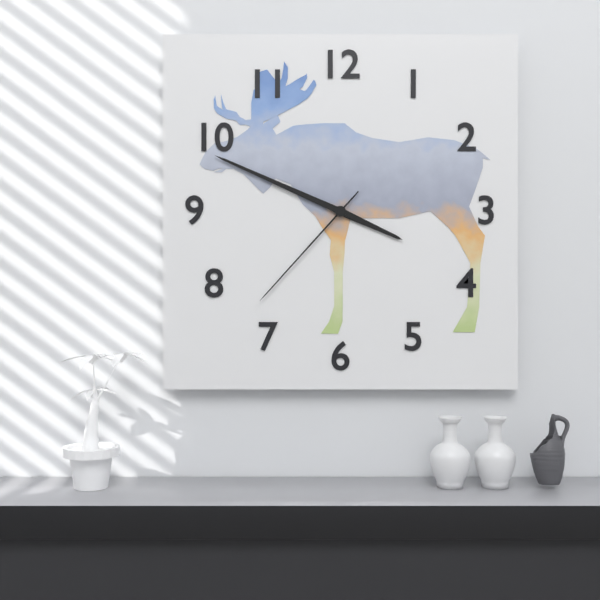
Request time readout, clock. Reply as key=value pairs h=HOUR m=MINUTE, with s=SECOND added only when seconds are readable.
h=3 m=49 s=37
